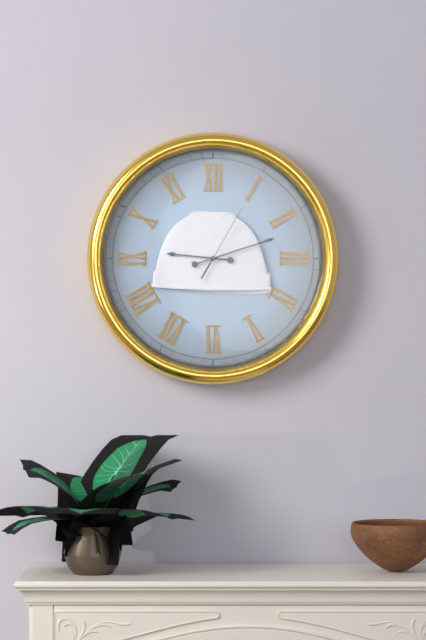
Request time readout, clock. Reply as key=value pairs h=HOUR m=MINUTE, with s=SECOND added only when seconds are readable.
h=9 m=12 s=5
